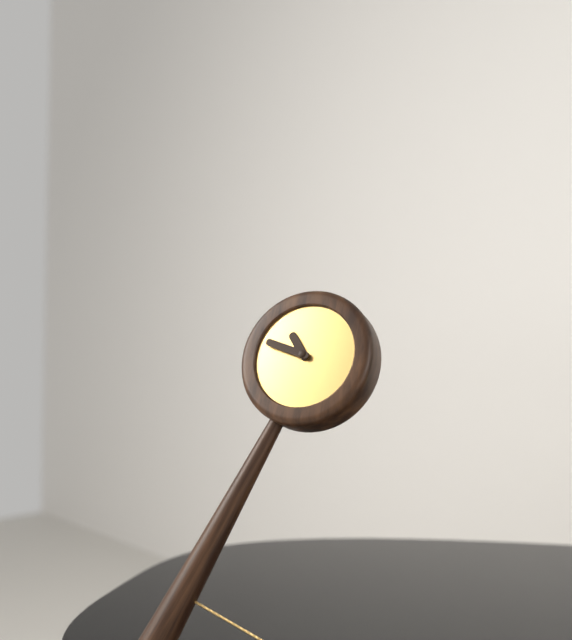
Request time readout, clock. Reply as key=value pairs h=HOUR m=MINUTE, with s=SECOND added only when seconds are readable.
h=10 m=48
